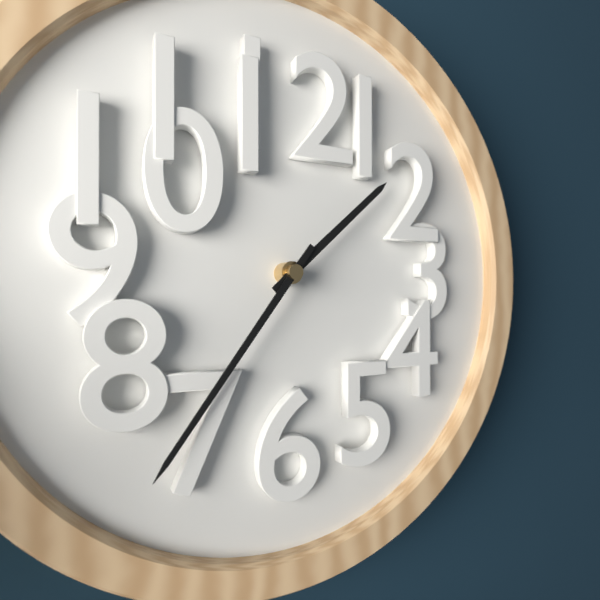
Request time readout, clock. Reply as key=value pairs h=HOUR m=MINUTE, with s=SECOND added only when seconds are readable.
h=1 m=36
